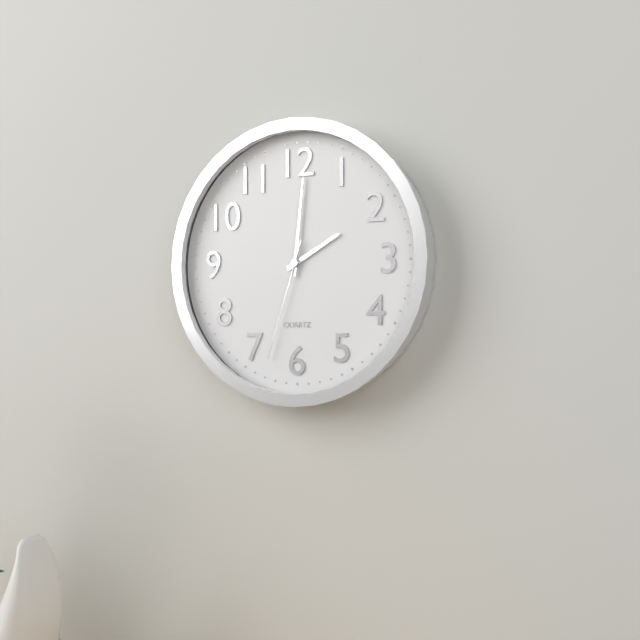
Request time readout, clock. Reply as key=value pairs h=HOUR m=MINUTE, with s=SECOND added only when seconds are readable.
h=2 m=1 s=33
